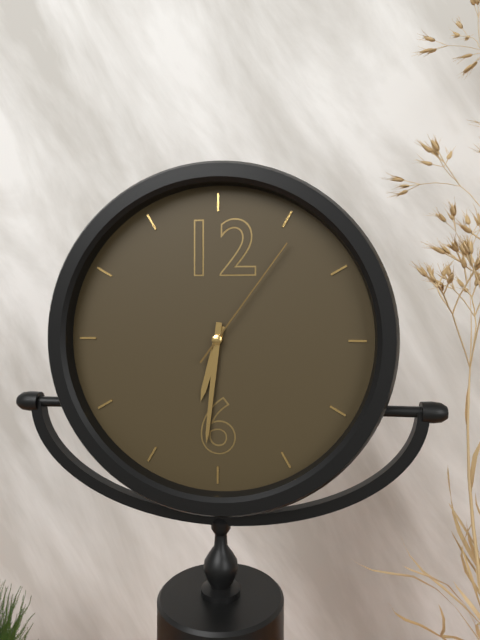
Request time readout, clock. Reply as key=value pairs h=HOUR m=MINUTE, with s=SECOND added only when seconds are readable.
h=6 m=31 s=6
